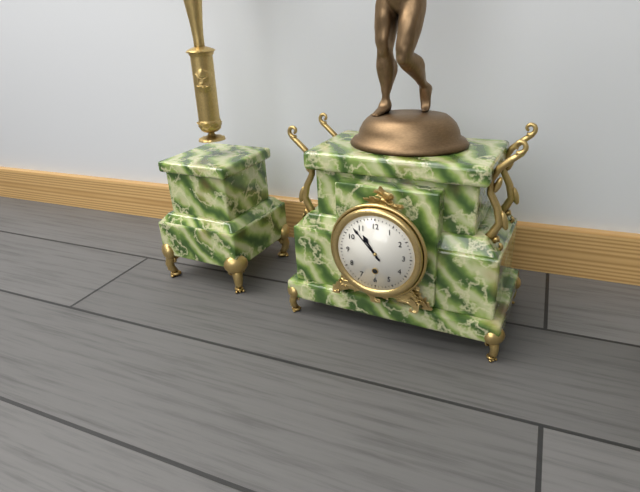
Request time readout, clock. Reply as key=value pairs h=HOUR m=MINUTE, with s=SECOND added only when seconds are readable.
h=10 m=53
